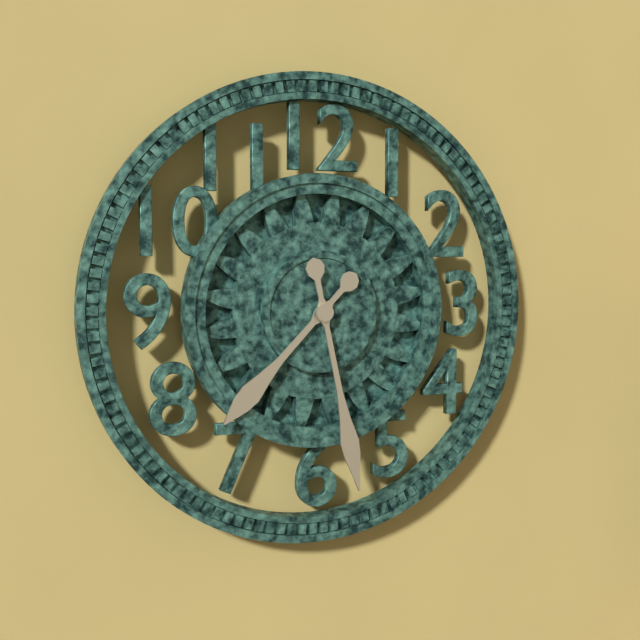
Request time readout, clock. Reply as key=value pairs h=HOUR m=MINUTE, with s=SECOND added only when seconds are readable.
h=7 m=28
